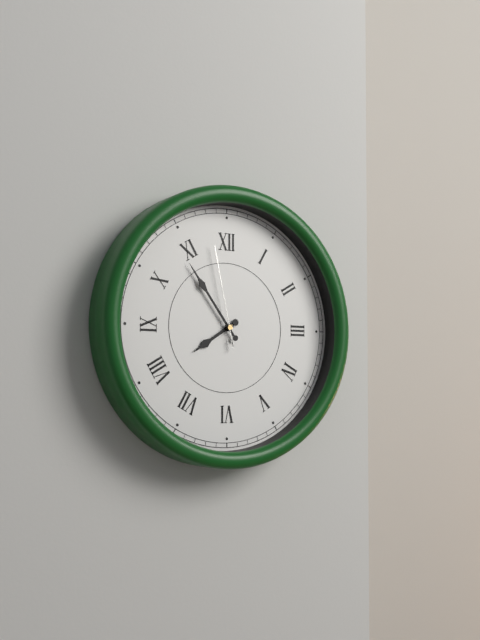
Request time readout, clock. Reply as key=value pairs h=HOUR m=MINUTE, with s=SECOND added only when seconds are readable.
h=7 m=54 s=58
